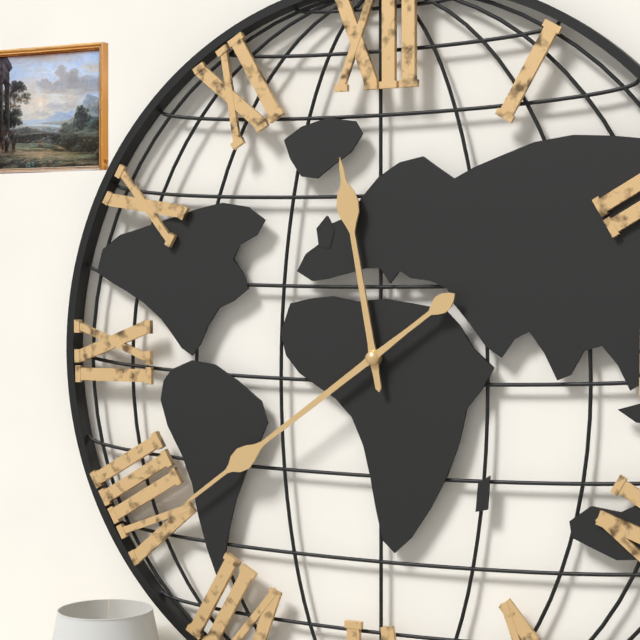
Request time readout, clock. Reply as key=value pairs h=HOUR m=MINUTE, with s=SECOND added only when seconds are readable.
h=11 m=39
